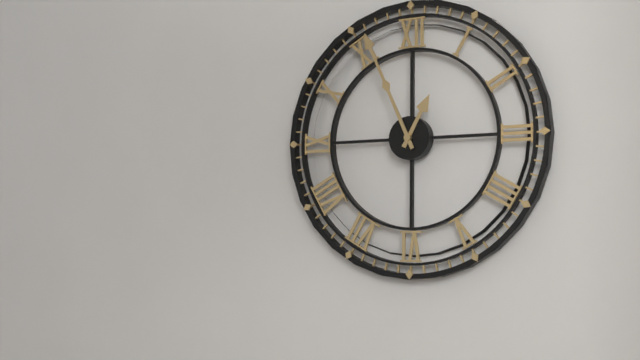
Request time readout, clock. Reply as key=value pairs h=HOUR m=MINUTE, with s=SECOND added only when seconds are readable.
h=12 m=56
